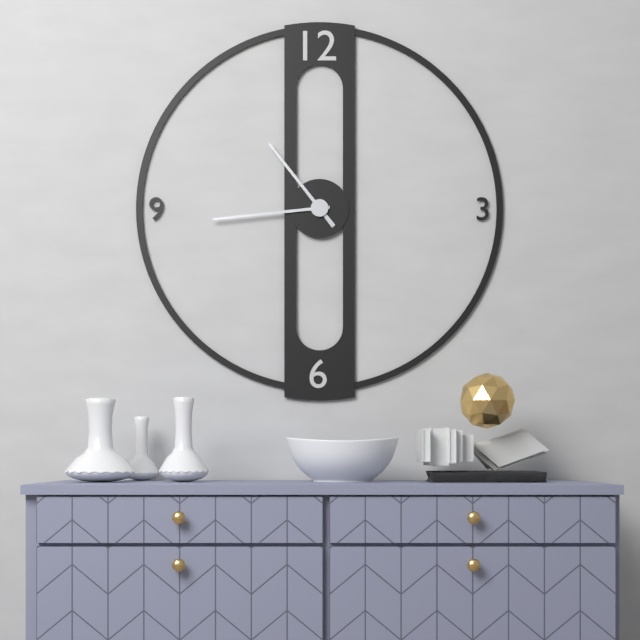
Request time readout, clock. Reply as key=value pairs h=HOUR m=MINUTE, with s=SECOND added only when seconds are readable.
h=10 m=44
